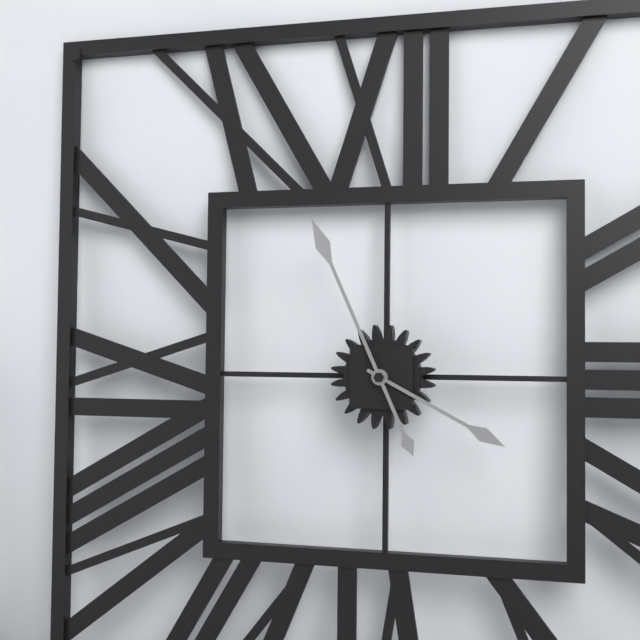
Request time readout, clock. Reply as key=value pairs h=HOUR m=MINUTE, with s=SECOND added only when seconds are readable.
h=3 m=56
